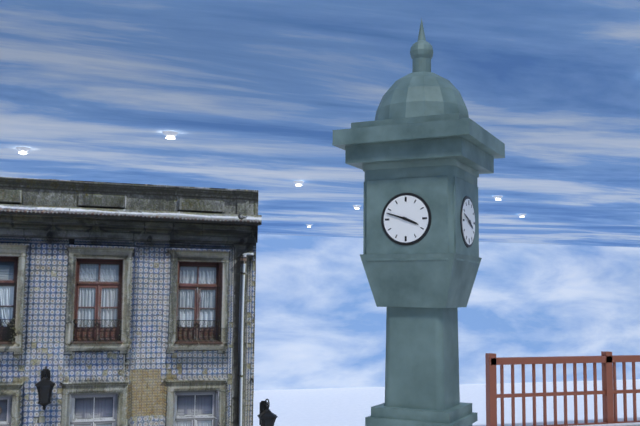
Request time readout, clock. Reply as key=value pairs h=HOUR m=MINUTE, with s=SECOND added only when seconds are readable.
h=3 m=48
